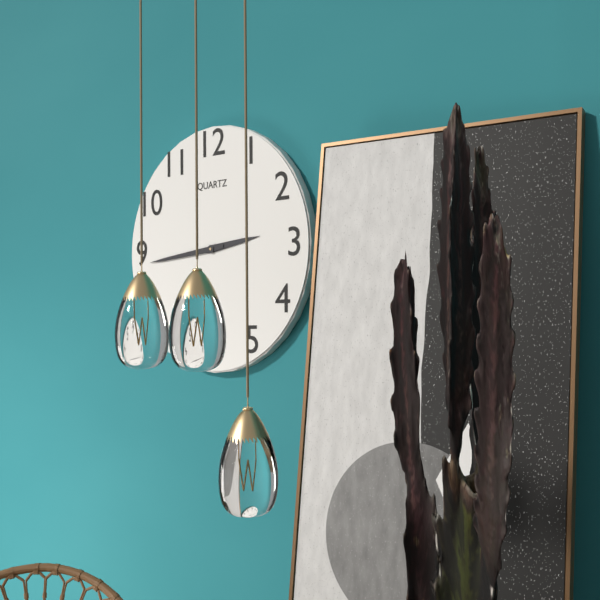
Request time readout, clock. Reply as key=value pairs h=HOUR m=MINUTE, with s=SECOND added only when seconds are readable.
h=2 m=44
